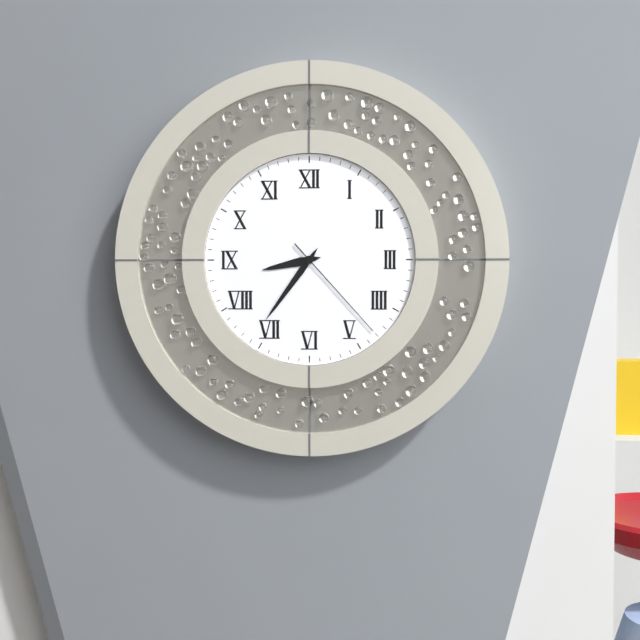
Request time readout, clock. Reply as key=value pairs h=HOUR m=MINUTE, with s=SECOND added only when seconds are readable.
h=8 m=36 s=23
